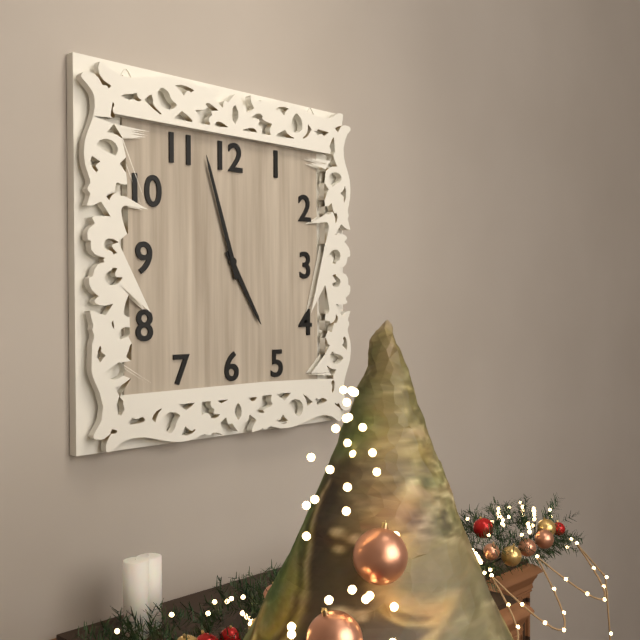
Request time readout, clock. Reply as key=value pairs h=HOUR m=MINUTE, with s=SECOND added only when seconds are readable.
h=4 m=57
